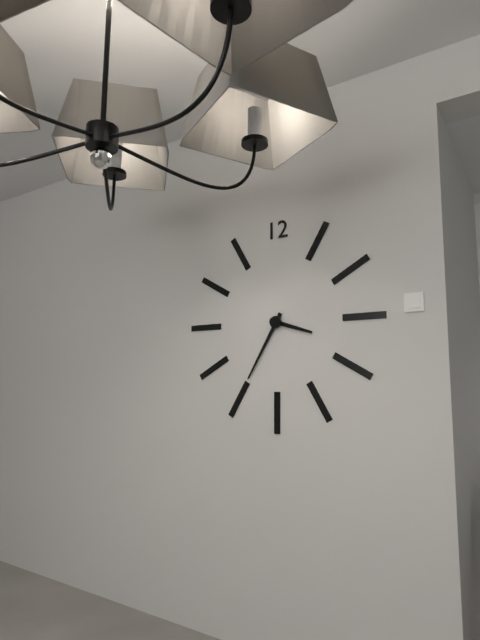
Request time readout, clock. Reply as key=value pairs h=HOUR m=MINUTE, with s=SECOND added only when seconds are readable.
h=3 m=35
